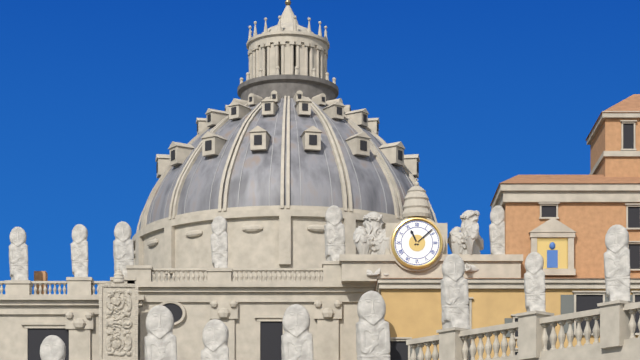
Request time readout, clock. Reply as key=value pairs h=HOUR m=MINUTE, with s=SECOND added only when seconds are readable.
h=11 m=8
